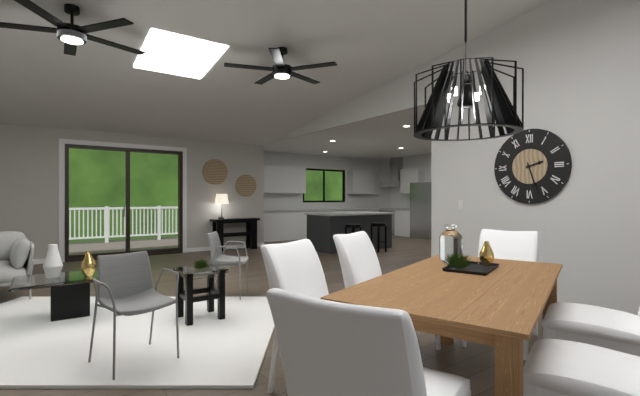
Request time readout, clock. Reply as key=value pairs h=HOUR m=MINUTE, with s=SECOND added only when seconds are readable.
h=2 m=27
